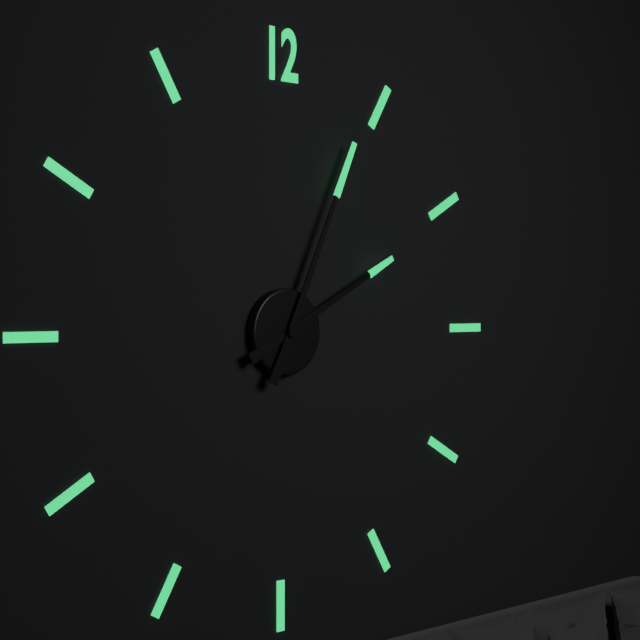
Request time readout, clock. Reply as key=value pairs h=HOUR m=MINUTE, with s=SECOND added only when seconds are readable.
h=2 m=4
